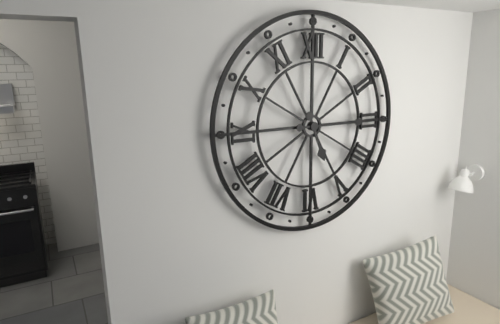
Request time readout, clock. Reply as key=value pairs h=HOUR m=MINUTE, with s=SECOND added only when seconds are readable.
h=5 m=15
